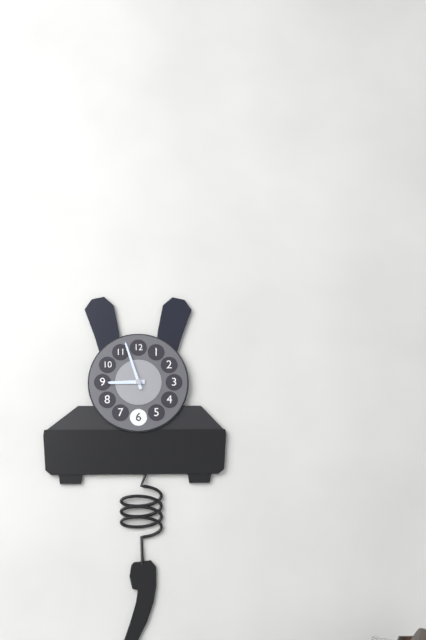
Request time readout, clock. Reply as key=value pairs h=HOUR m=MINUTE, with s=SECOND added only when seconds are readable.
h=8 m=57
